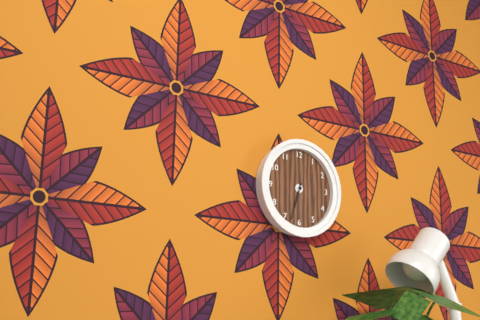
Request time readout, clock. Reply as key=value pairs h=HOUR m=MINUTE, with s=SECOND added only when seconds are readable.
h=6 m=33
